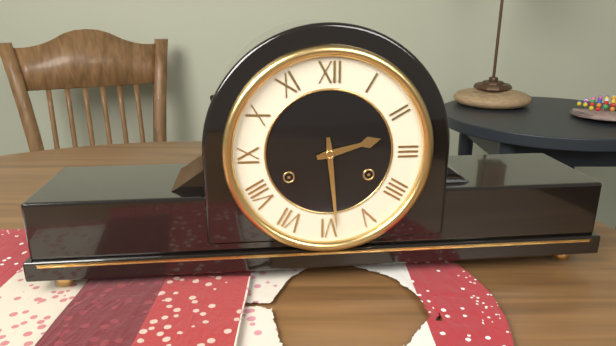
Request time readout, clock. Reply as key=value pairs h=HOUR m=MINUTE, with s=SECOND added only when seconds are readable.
h=2 m=29
